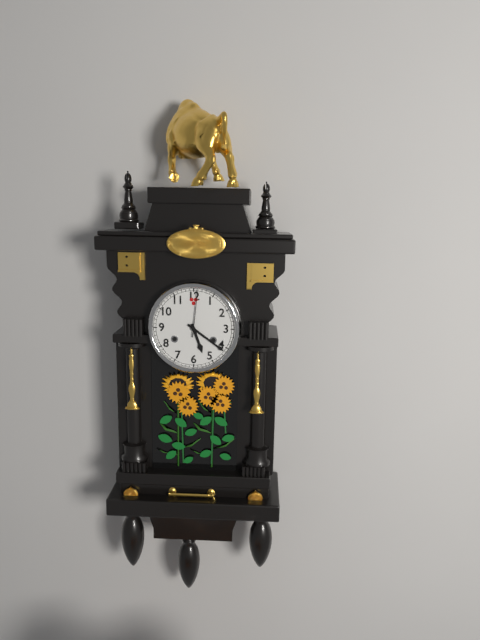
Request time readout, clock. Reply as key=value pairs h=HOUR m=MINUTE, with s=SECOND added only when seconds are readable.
h=5 m=21
